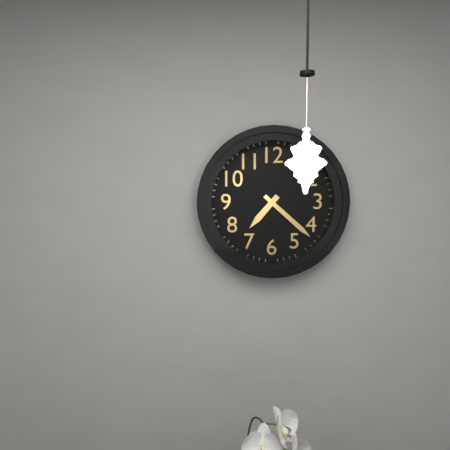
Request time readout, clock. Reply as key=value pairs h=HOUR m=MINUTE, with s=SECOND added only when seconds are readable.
h=7 m=22
